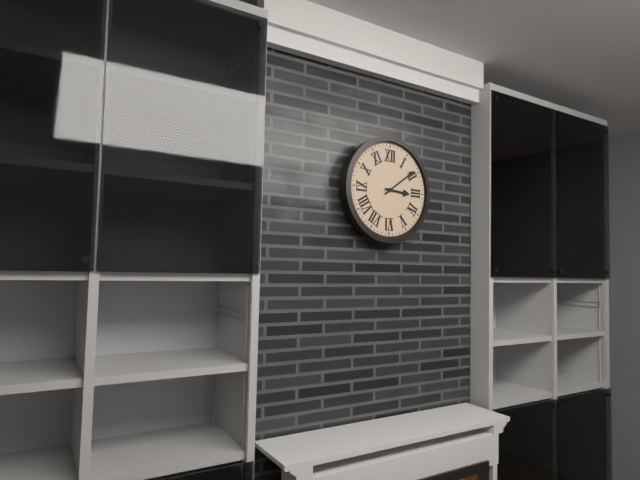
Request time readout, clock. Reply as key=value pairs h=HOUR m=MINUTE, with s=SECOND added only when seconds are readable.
h=3 m=9
